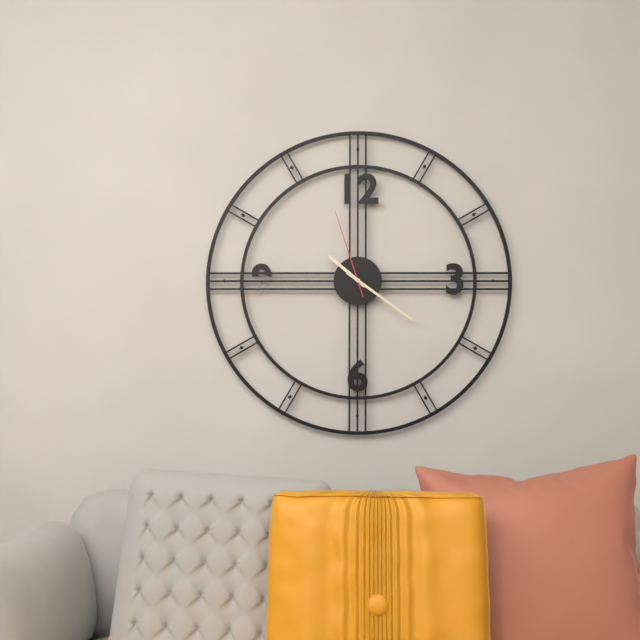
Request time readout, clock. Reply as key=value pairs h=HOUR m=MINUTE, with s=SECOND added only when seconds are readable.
h=10 m=21 s=57
